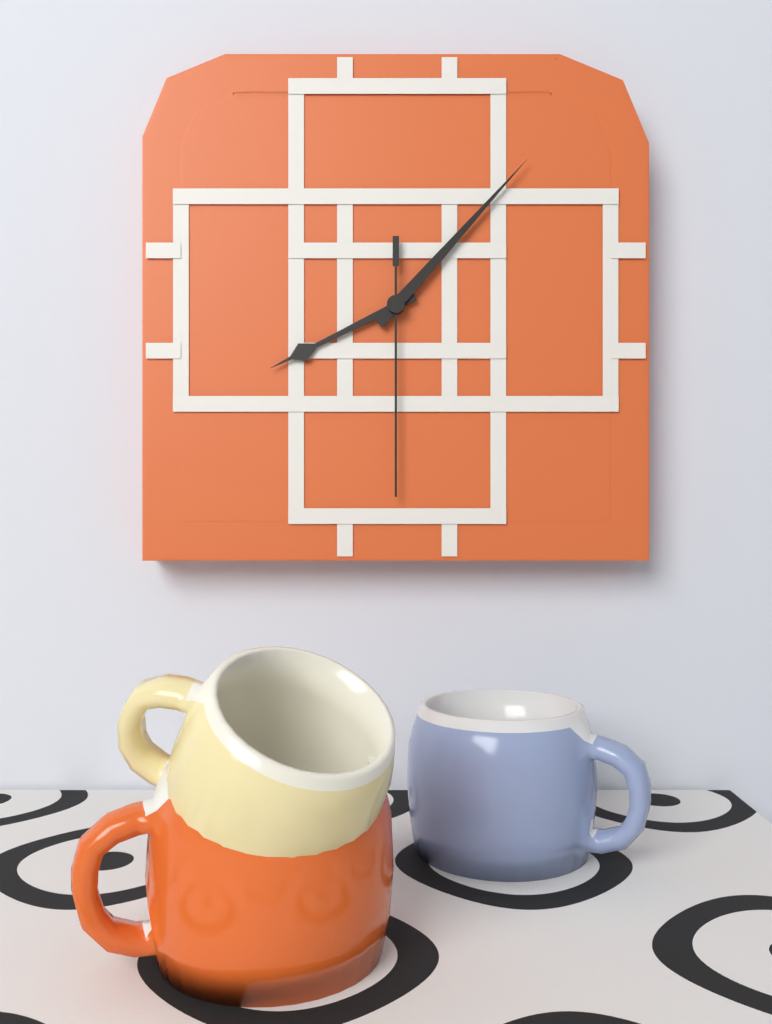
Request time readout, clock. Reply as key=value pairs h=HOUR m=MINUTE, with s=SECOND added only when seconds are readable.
h=8 m=7 s=30
